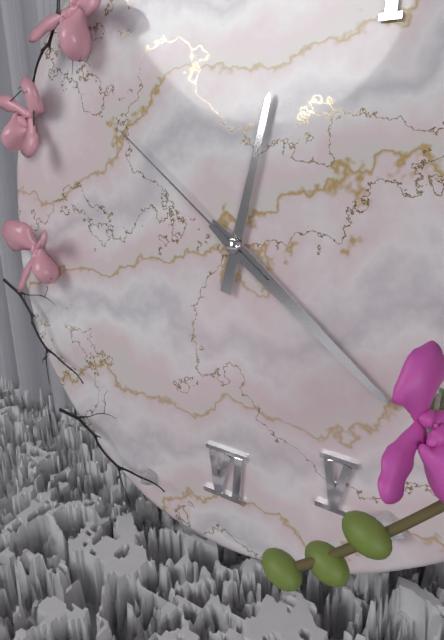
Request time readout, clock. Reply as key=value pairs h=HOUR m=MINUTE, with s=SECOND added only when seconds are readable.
h=12 m=21 s=51
